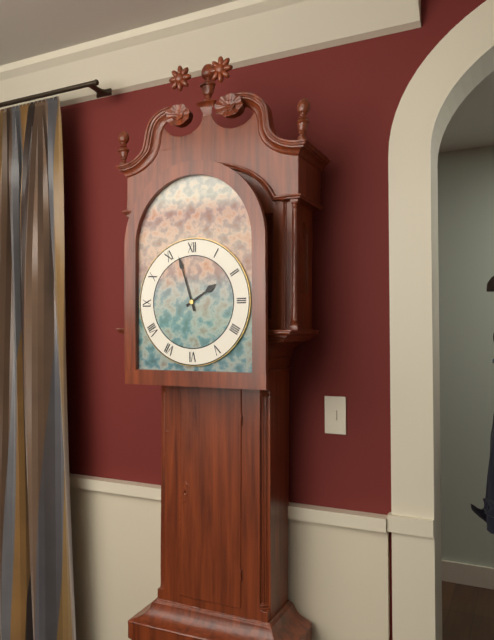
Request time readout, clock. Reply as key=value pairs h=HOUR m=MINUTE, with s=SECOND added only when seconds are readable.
h=1 m=57
